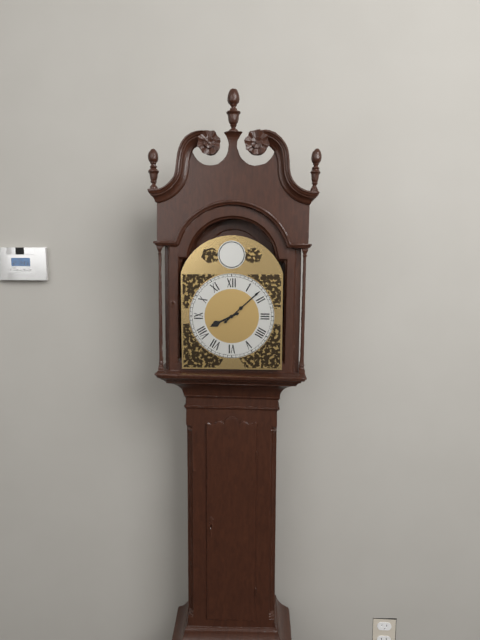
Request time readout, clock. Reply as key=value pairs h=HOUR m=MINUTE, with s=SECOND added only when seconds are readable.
h=8 m=8
